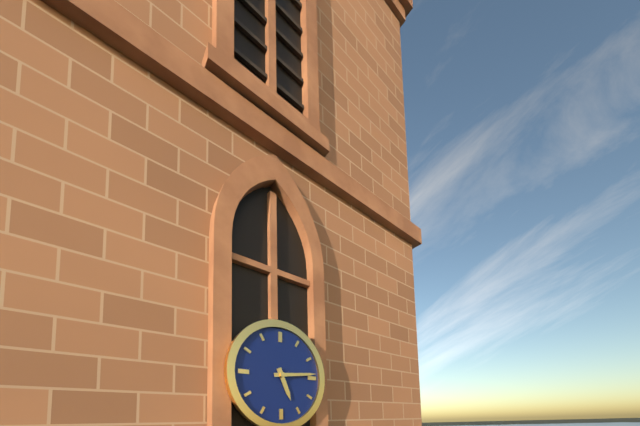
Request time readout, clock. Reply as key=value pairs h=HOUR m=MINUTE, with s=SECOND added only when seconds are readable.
h=5 m=14
